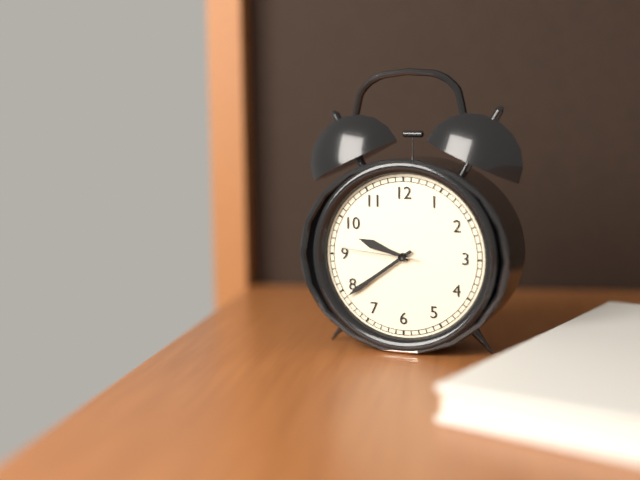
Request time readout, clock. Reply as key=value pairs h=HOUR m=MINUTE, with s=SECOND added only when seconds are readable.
h=9 m=39 s=46
